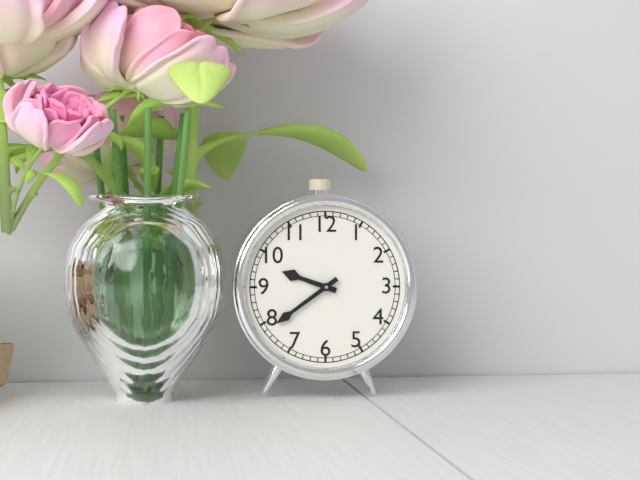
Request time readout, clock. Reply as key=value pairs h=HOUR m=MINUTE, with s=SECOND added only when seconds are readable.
h=9 m=39
